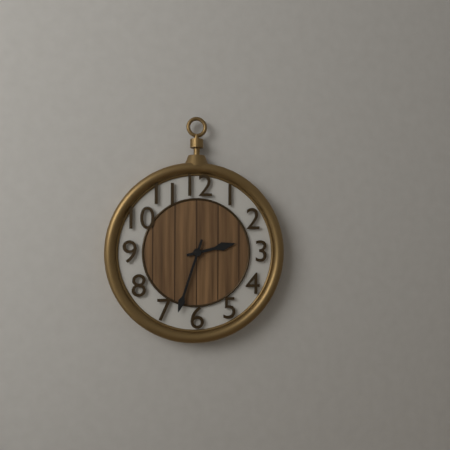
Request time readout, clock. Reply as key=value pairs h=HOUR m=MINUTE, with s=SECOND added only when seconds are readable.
h=2 m=33
